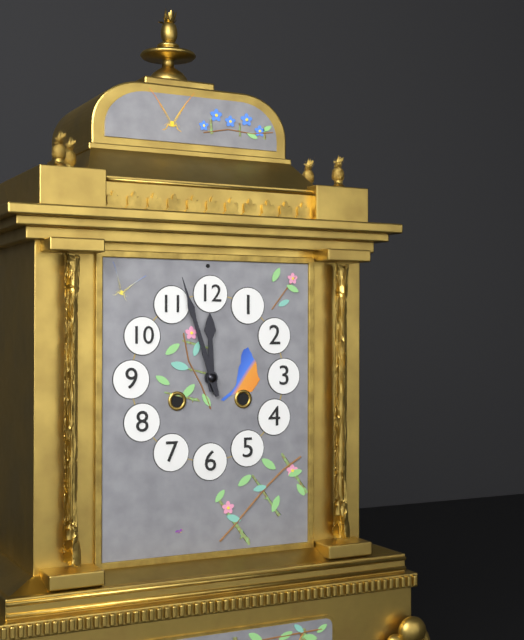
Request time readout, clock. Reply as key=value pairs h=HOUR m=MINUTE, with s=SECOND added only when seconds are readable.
h=11 m=57
